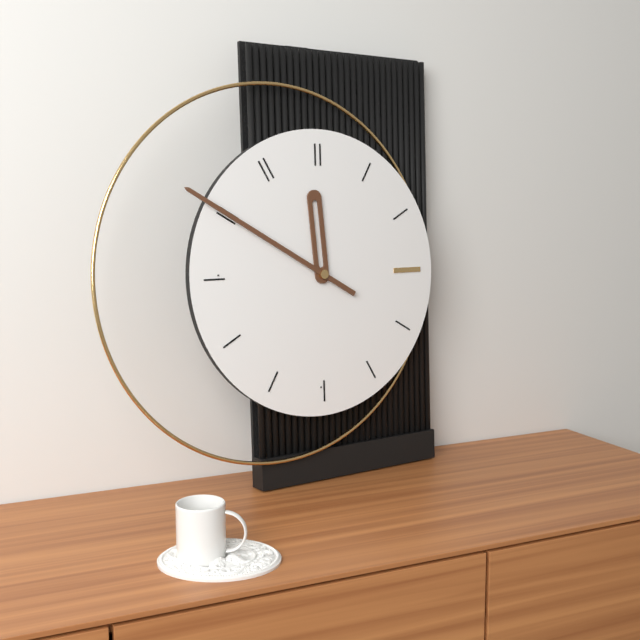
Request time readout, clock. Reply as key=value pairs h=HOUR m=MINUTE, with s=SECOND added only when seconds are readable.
h=11 m=50
